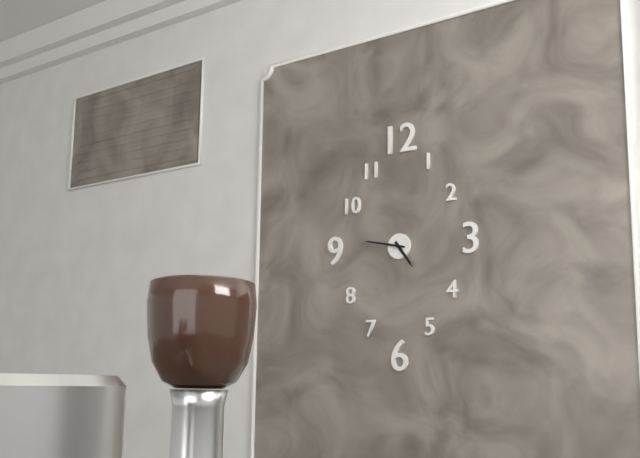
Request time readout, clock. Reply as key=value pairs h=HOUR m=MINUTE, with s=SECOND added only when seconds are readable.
h=4 m=47
